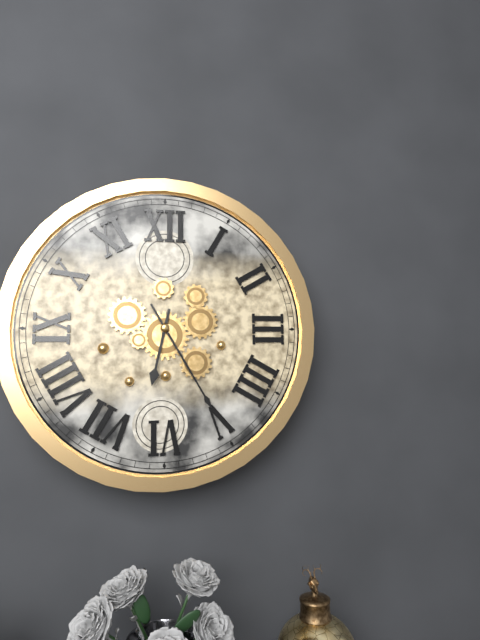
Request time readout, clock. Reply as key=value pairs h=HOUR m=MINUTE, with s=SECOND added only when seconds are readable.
h=6 m=25
